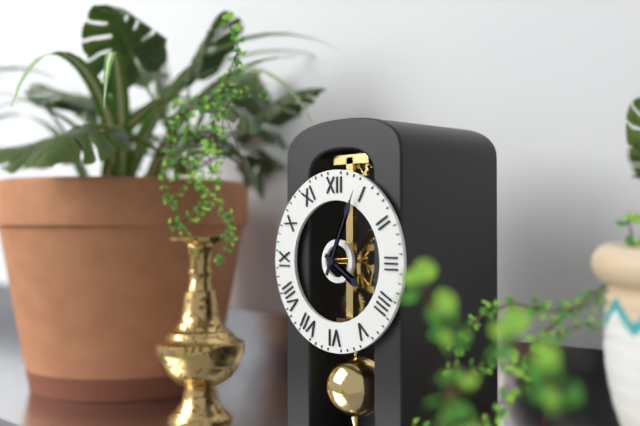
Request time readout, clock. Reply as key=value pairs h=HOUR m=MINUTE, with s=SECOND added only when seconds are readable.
h=4 m=4
